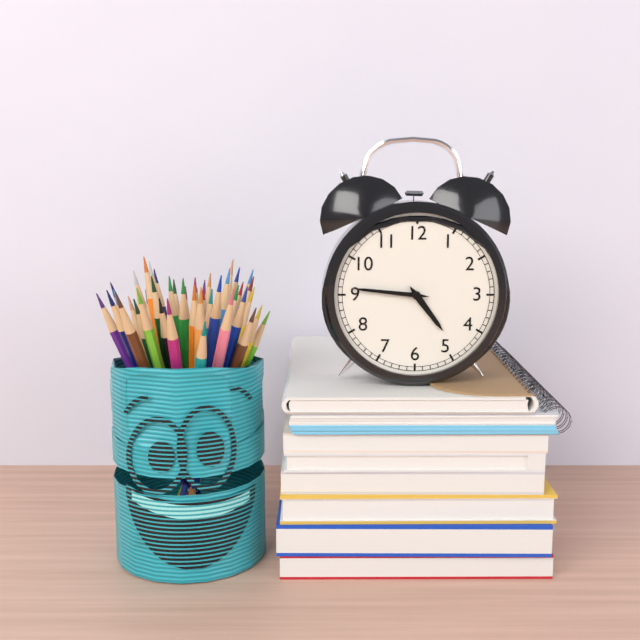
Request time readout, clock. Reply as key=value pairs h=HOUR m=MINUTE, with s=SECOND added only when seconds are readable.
h=4 m=46
